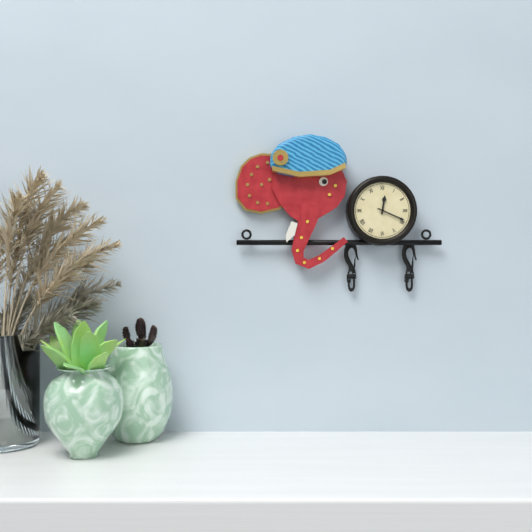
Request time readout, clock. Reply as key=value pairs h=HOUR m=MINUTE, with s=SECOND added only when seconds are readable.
h=12 m=19
